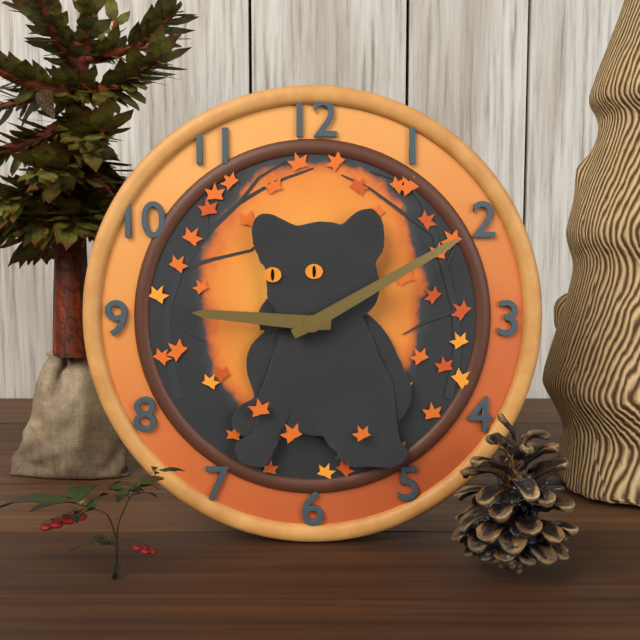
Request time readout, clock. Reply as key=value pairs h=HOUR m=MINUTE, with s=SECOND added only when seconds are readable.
h=9 m=10
